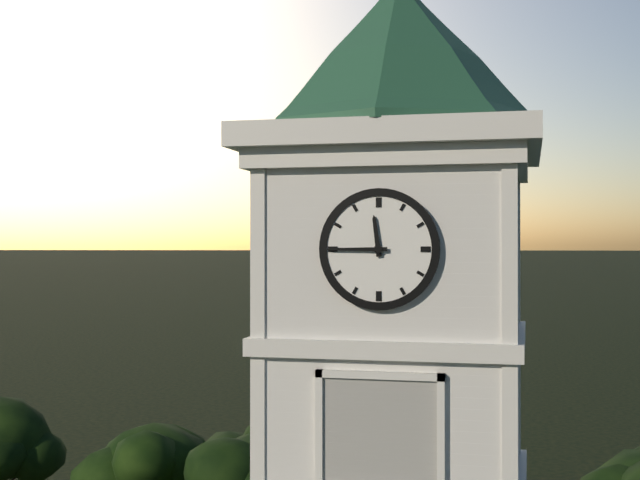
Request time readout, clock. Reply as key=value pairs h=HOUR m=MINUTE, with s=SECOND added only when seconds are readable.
h=11 m=45
